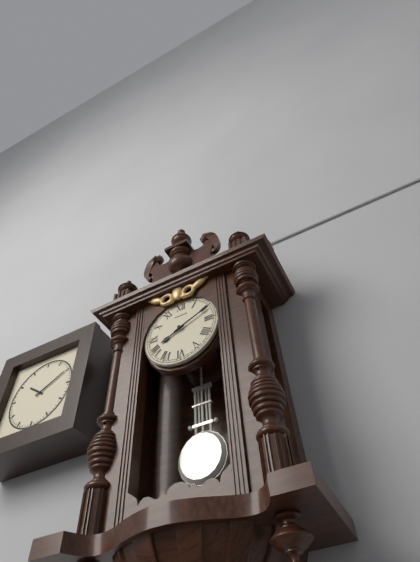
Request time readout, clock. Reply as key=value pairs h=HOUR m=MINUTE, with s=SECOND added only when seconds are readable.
h=8 m=11
